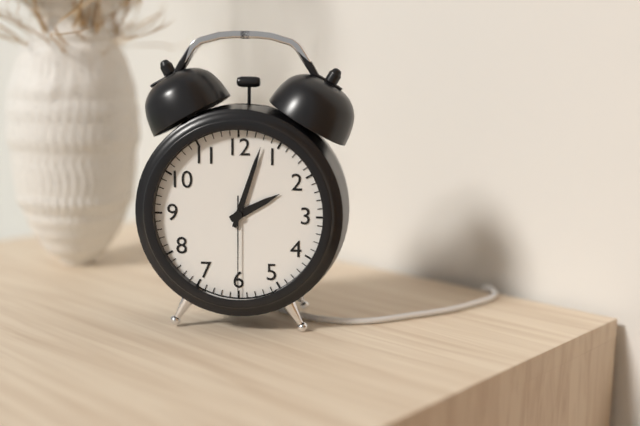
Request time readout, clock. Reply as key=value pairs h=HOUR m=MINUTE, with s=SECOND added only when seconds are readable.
h=2 m=3 s=30
